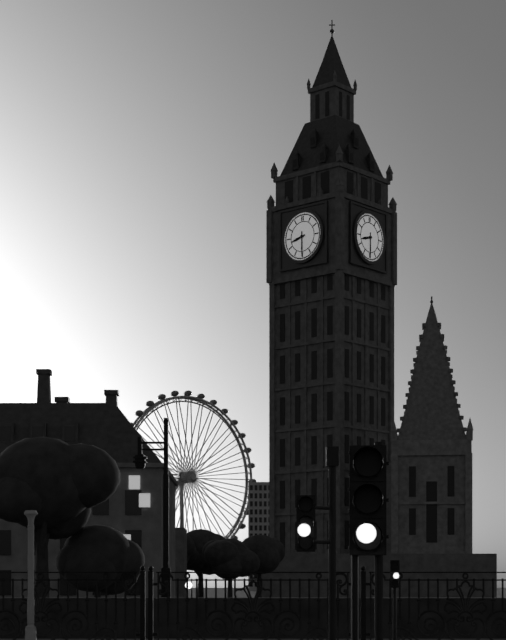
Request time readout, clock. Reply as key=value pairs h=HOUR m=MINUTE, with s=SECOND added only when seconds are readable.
h=8 m=30
